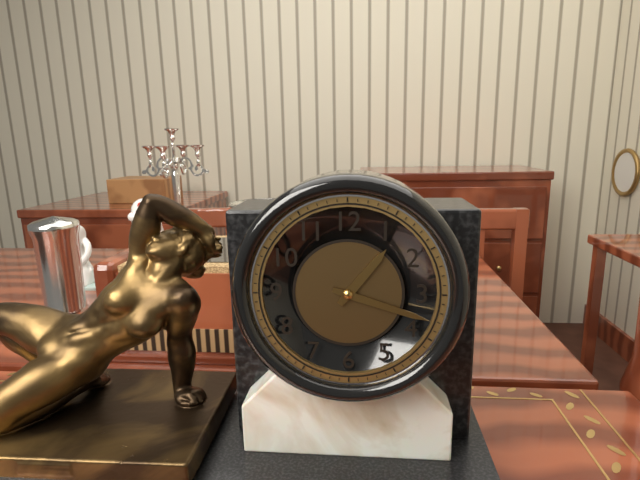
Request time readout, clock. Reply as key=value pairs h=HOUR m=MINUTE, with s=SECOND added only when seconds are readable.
h=1 m=18
